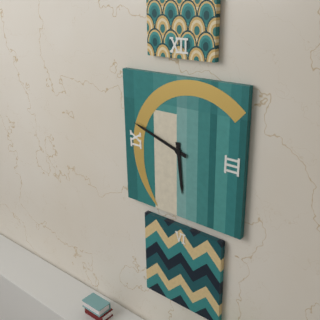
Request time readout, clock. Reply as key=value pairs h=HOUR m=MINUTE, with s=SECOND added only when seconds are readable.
h=5 m=48
